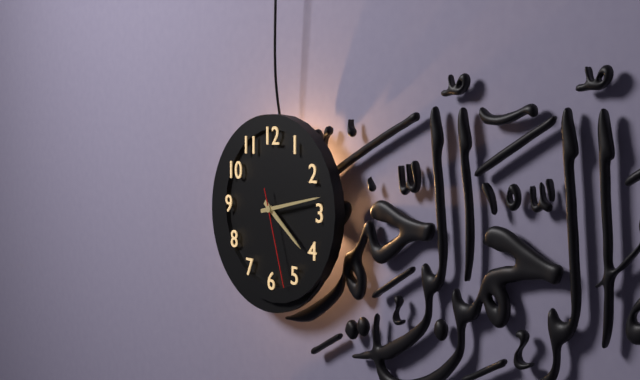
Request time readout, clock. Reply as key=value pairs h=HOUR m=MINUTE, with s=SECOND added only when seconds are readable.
h=4 m=13 s=27
